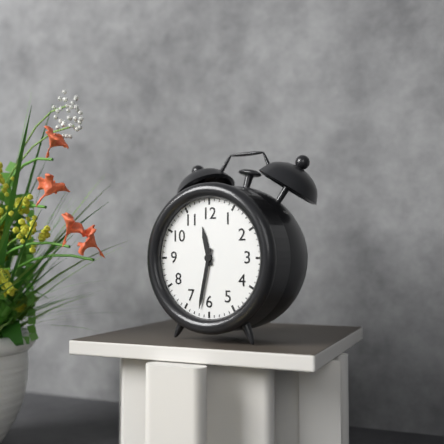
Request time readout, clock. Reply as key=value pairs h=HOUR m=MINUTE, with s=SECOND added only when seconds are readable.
h=11 m=32
